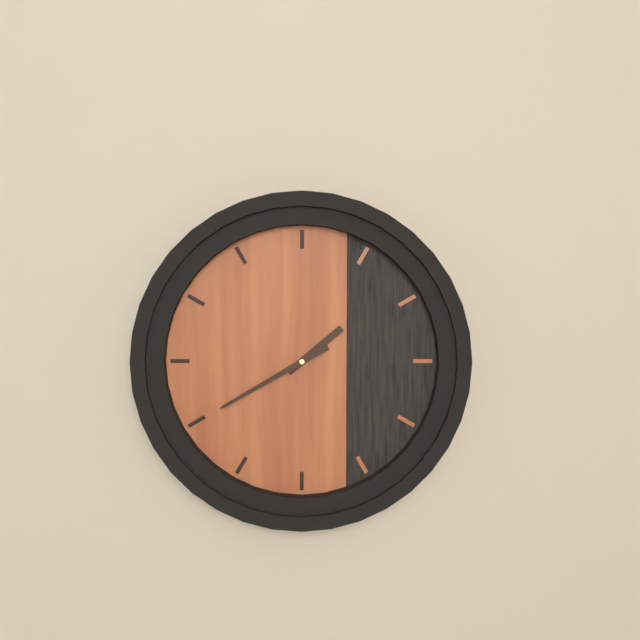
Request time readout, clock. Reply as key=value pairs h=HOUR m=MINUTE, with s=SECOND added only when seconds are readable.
h=1 m=40
